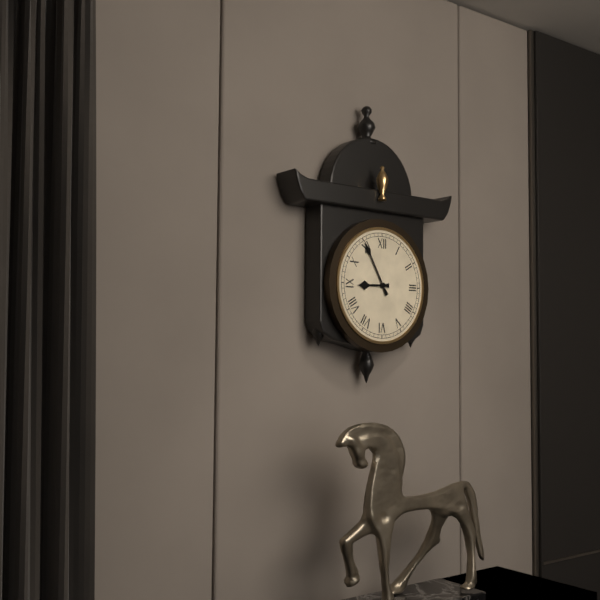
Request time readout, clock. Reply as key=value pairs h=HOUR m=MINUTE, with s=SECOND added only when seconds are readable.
h=8 m=55
